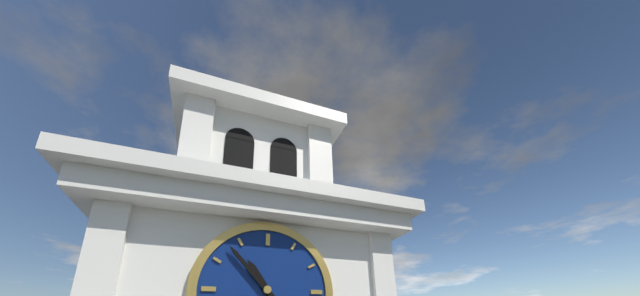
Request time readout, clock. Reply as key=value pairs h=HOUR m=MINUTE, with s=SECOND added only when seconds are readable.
h=10 m=53
